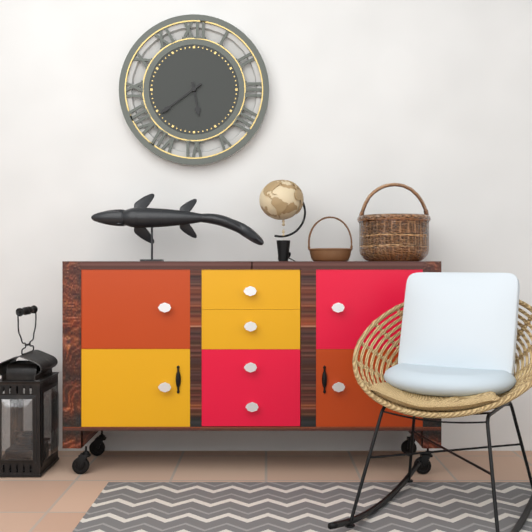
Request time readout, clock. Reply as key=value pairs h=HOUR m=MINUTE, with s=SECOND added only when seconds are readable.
h=5 m=39
